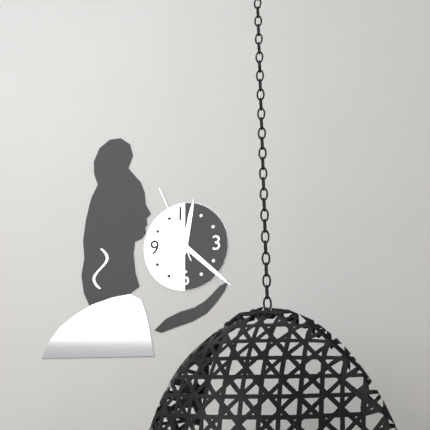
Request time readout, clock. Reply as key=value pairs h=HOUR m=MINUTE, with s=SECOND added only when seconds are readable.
h=12 m=22 s=56
